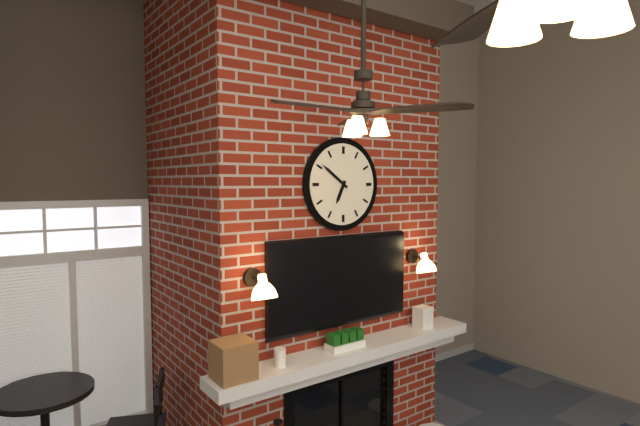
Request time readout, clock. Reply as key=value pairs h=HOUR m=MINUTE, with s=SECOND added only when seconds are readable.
h=6 m=51
